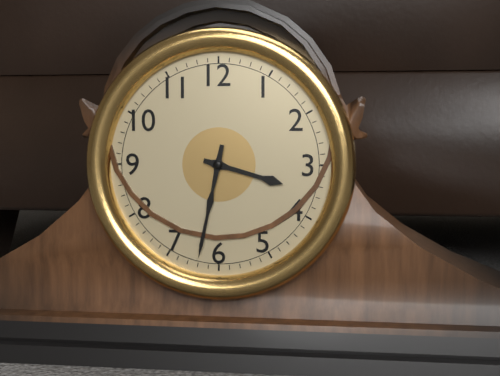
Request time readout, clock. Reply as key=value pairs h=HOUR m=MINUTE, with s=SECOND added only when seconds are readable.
h=3 m=32
